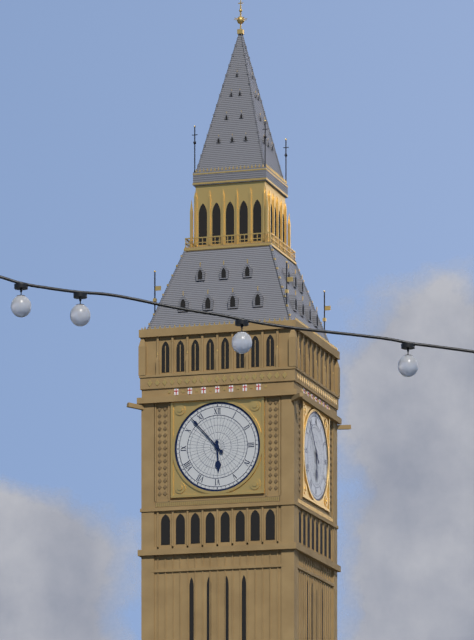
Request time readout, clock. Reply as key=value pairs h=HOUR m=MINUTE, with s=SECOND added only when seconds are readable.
h=5 m=53
